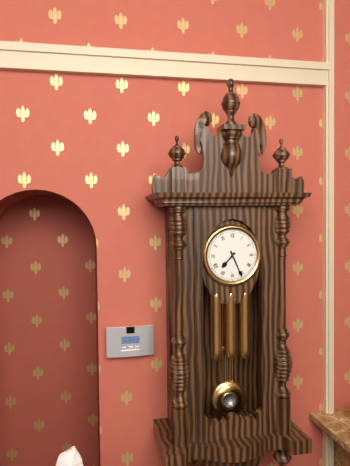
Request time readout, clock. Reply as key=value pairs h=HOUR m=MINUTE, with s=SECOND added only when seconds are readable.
h=7 m=26
